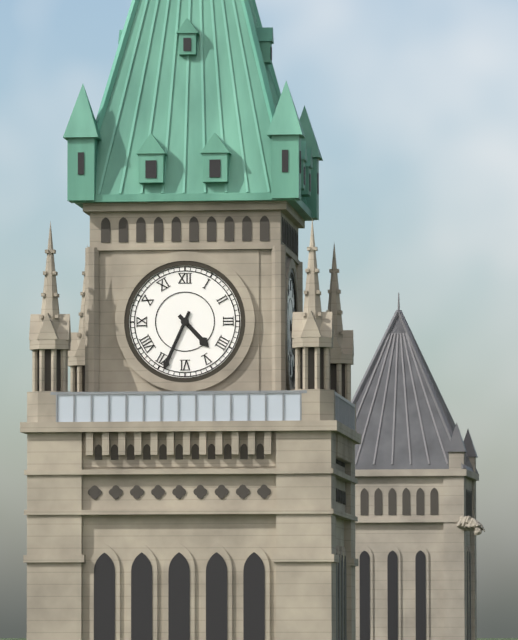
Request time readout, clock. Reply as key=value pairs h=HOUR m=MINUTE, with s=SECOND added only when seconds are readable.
h=4 m=34
